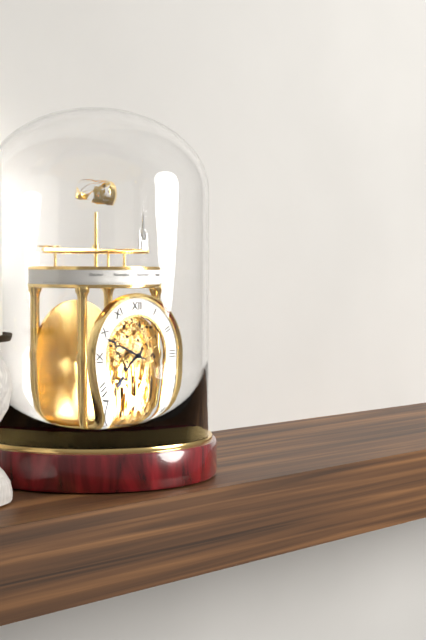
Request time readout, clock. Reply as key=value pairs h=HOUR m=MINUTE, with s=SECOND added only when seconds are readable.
h=7 m=49
